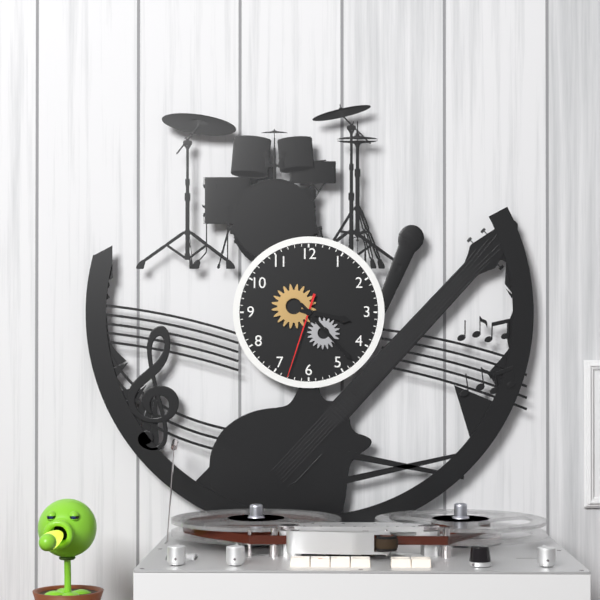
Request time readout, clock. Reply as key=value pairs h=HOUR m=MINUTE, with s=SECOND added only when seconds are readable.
h=3 m=23 s=33
